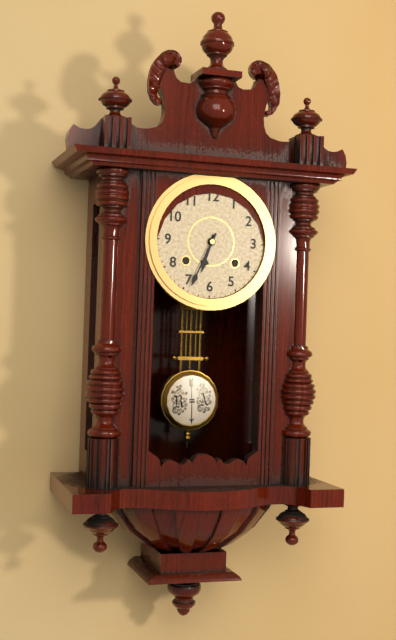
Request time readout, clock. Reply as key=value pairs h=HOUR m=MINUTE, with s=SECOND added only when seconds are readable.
h=6 m=34
